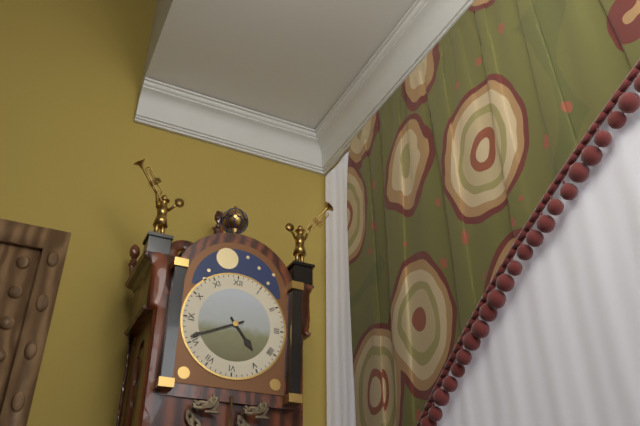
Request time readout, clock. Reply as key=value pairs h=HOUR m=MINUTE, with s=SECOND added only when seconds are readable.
h=4 m=41
